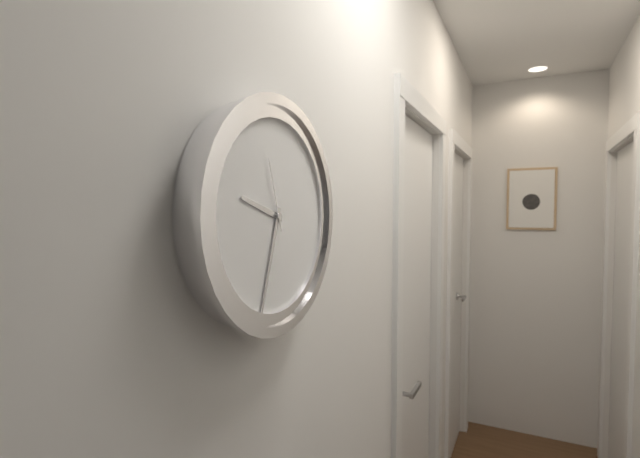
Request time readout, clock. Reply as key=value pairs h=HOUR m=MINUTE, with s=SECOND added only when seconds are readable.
h=9 m=33 s=57
